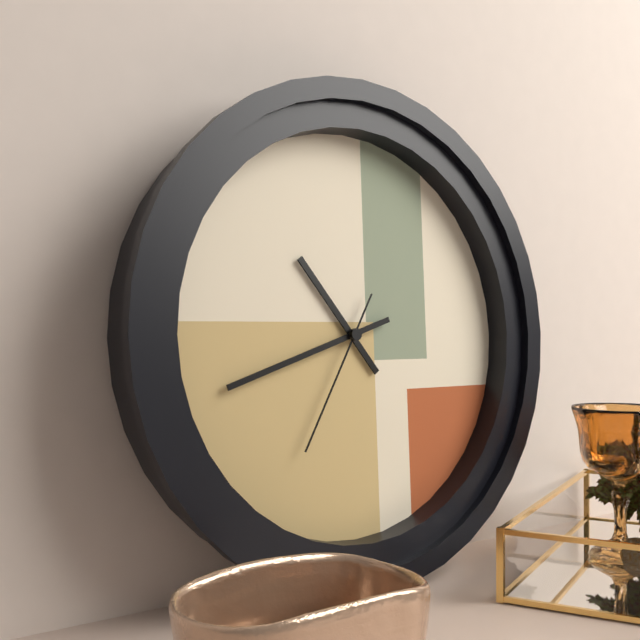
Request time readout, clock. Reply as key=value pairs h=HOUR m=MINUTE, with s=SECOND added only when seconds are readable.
h=10 m=42 s=35
